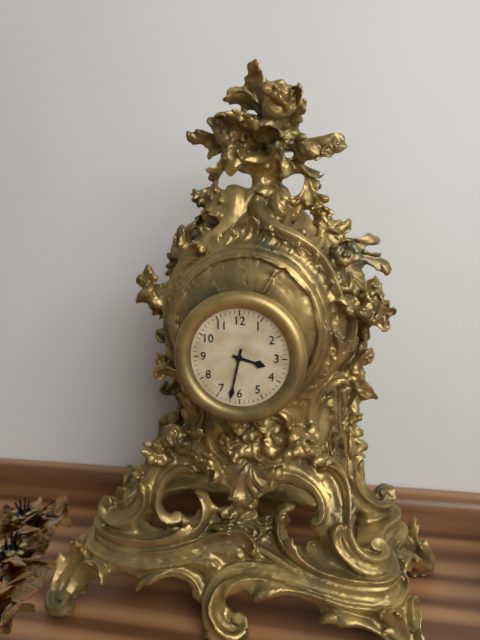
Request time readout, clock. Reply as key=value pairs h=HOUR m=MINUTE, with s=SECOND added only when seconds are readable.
h=3 m=32
